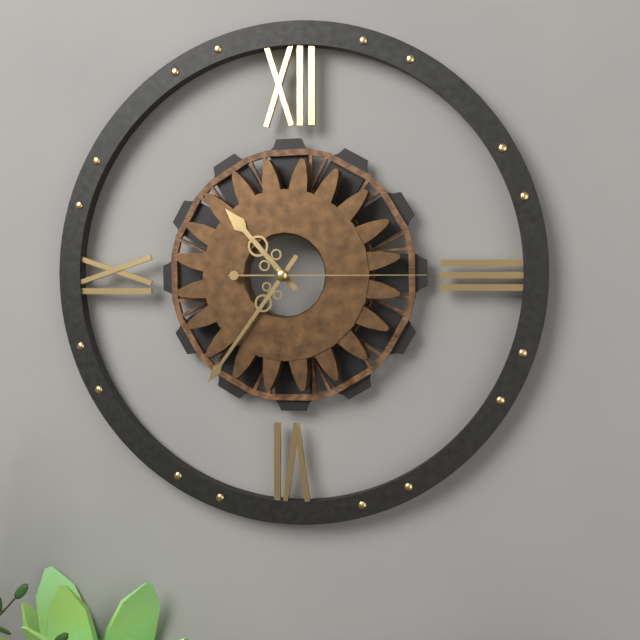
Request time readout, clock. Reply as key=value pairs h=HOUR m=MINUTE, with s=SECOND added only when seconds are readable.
h=10 m=36 s=15
